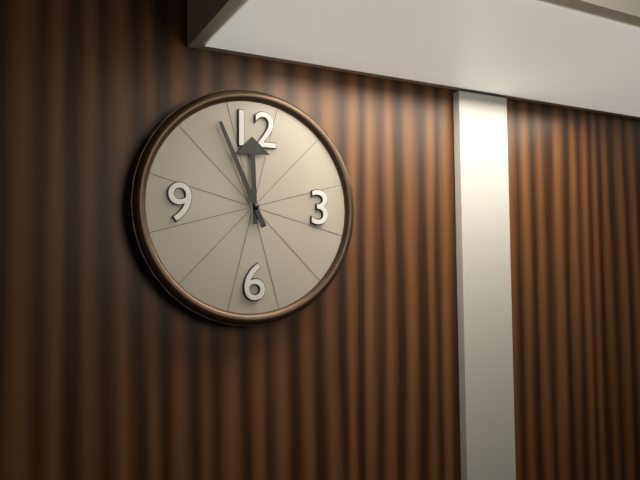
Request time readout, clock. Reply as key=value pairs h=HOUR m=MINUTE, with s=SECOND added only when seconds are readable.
h=11 m=56
